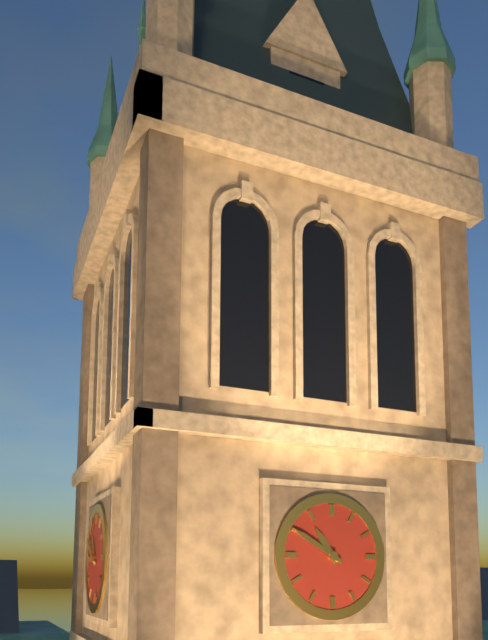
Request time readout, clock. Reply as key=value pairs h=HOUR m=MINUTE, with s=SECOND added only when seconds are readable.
h=10 m=50
